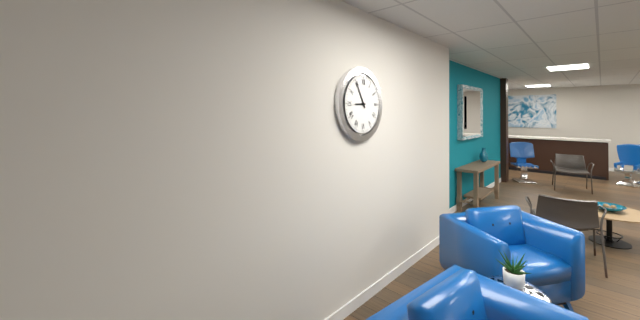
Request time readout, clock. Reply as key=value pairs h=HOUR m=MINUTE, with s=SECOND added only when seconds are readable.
h=8 m=55
